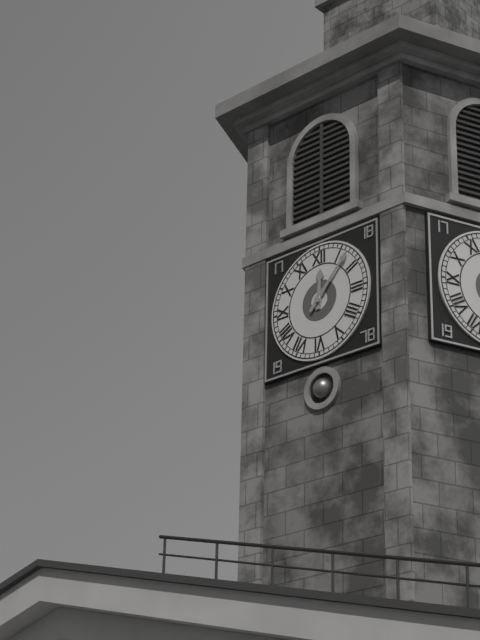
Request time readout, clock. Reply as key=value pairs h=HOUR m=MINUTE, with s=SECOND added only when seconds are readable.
h=12 m=7
